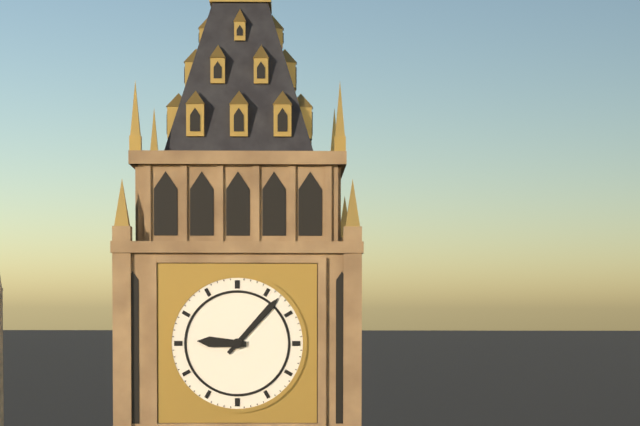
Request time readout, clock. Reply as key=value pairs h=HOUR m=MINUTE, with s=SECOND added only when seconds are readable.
h=9 m=7
